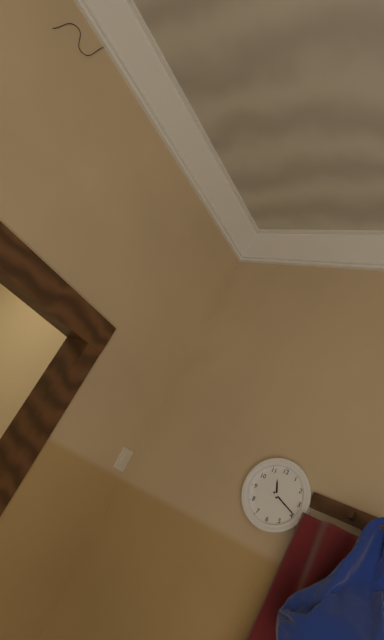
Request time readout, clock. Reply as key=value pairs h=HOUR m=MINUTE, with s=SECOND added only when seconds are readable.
h=11 m=19
